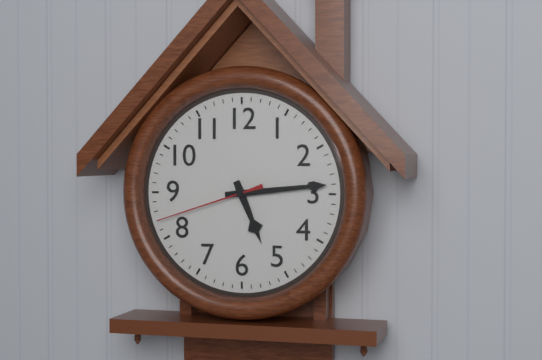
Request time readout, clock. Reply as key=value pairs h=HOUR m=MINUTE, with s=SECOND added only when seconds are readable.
h=5 m=14 s=42
